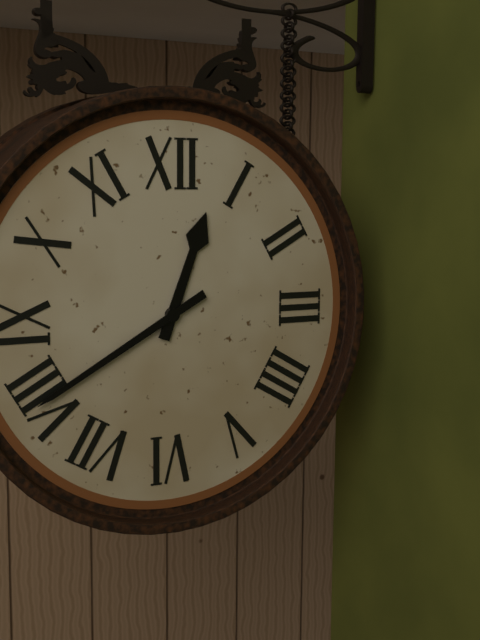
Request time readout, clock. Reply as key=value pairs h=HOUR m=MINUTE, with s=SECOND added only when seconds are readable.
h=12 m=40
